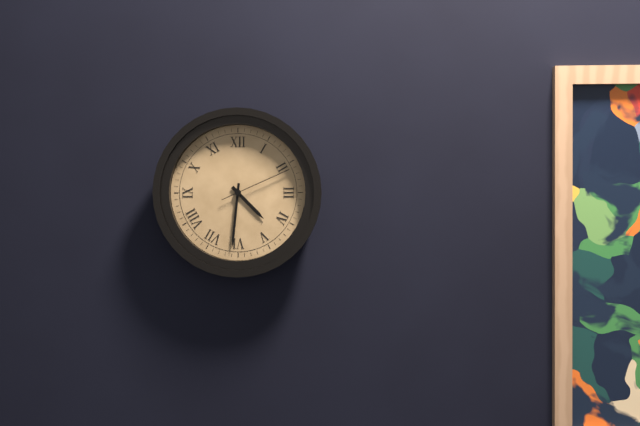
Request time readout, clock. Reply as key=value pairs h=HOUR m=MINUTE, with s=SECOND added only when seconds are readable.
h=4 m=31 s=11
